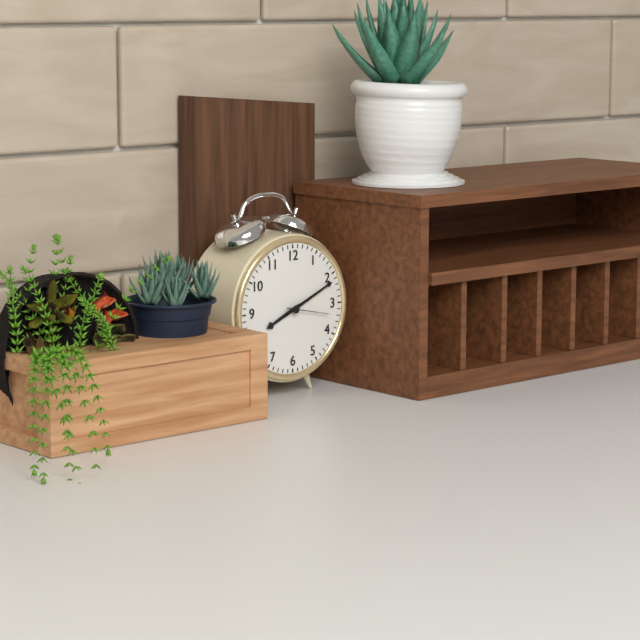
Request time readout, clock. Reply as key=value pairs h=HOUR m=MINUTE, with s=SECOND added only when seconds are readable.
h=8 m=11
